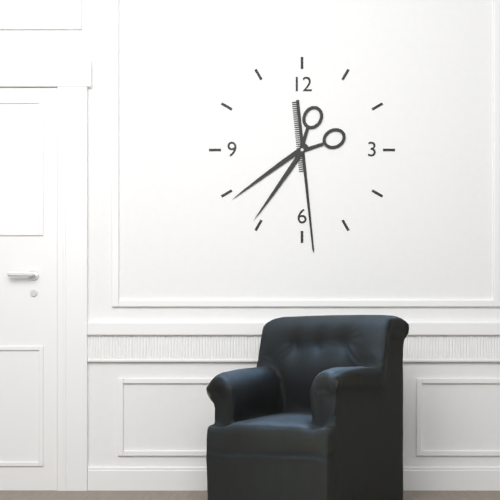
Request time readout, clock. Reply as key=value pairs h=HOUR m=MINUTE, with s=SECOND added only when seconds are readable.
h=7 m=29
